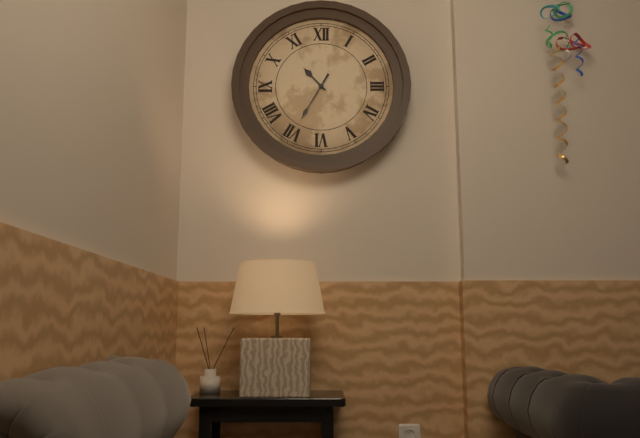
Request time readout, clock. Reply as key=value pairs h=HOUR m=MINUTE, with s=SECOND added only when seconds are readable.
h=10 m=35
